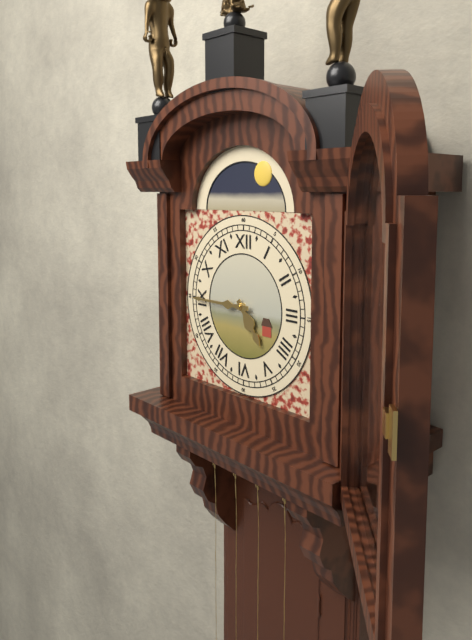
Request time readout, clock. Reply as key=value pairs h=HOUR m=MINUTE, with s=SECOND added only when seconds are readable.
h=4 m=45
